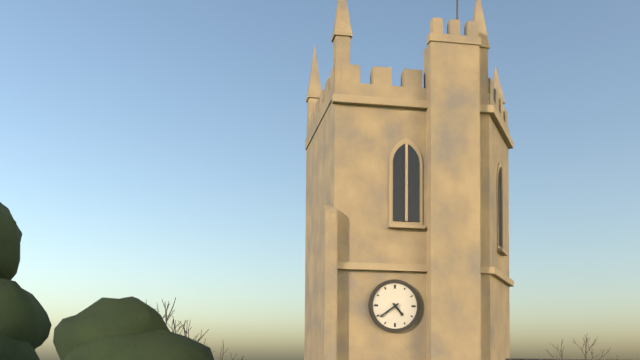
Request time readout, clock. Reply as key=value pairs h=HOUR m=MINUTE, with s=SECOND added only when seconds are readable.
h=4 m=39
